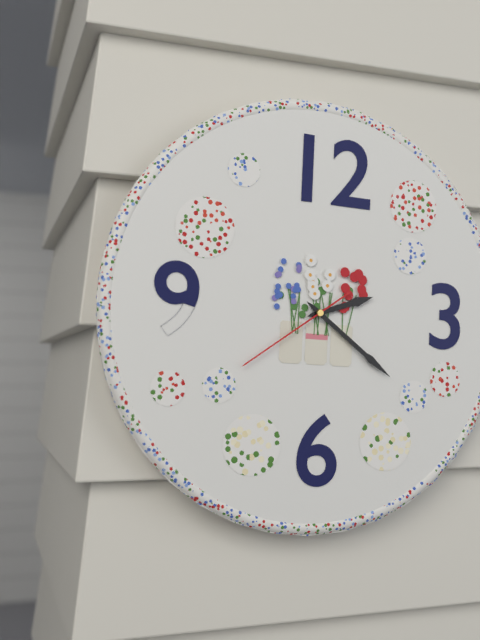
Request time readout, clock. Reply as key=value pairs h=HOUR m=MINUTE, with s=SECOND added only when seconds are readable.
h=2 m=21 s=39
